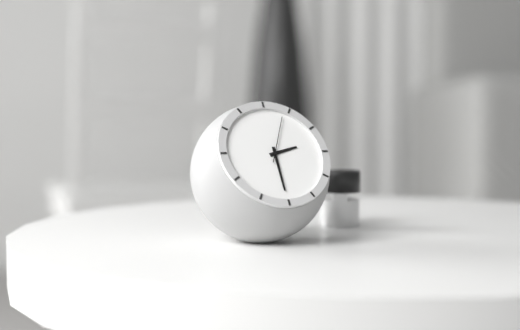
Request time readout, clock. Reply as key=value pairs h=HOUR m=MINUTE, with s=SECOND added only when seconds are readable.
h=2 m=30 s=4
